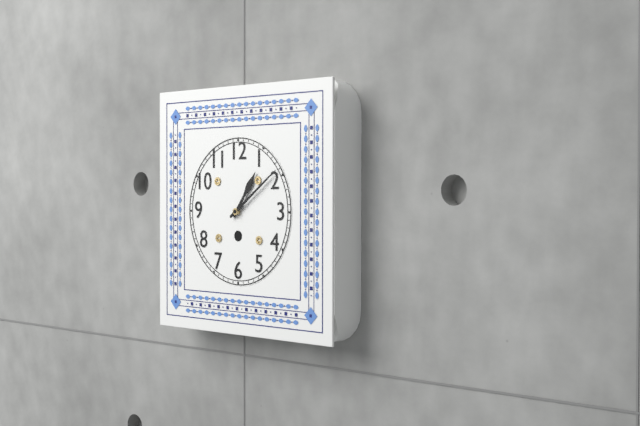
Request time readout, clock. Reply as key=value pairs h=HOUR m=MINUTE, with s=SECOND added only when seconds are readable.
h=1 m=9
